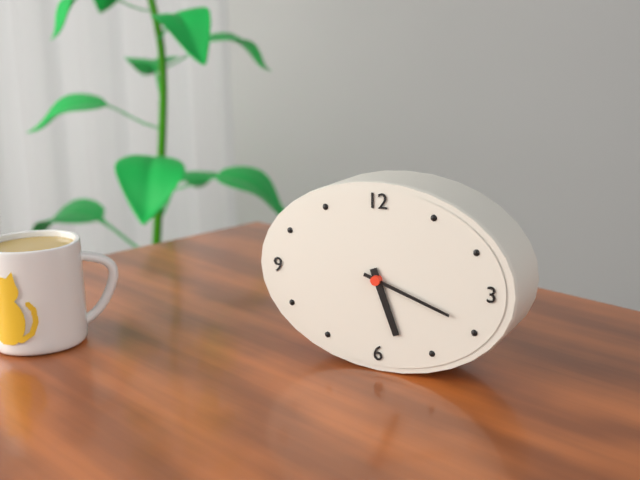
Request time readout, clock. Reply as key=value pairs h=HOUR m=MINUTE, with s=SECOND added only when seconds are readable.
h=5 m=18
